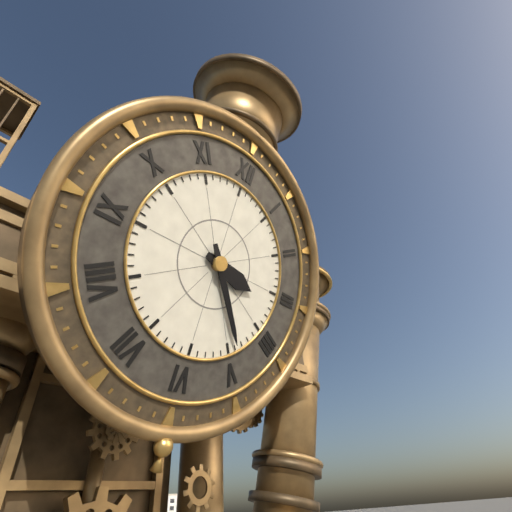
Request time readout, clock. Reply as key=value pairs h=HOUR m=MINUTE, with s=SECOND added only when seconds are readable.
h=3 m=24
